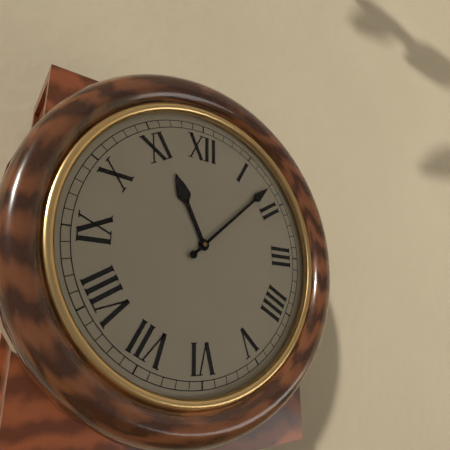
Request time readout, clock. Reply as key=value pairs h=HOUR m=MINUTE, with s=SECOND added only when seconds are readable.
h=11 m=8
